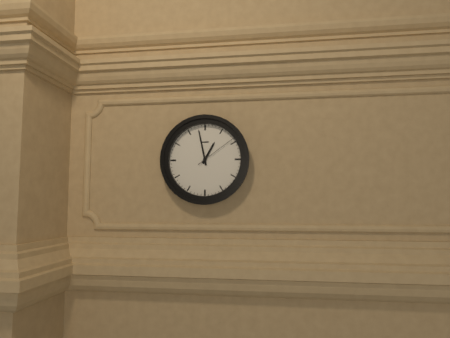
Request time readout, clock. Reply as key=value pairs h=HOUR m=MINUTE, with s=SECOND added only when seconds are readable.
h=12 m=58
